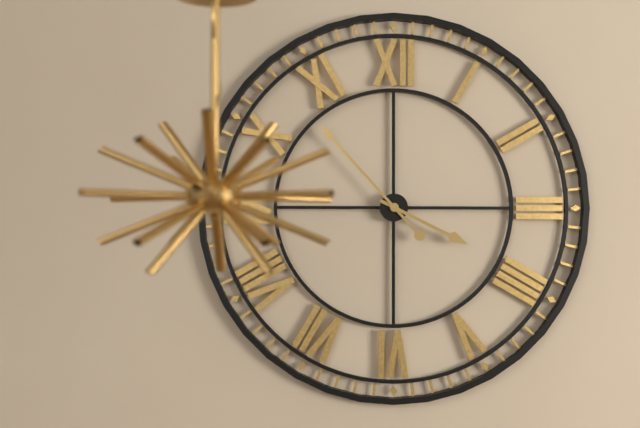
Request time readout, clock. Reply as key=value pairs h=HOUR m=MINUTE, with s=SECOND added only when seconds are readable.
h=3 m=53
